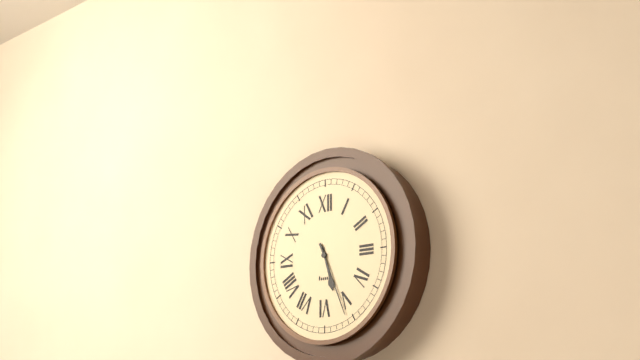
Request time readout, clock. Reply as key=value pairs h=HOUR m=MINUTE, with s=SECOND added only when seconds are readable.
h=5 m=26
